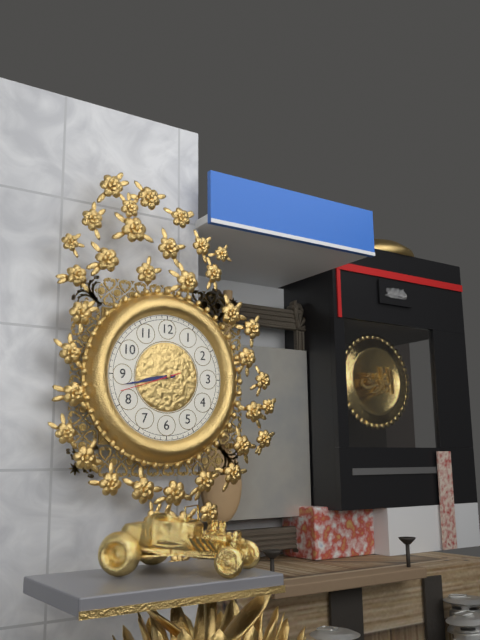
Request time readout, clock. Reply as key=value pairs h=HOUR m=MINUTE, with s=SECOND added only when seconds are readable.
h=8 m=43 s=42
